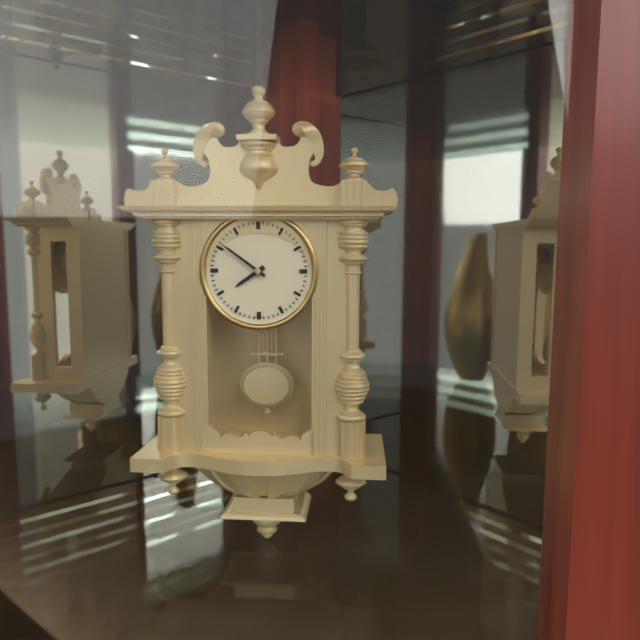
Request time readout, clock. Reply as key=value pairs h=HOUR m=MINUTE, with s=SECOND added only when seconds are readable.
h=7 m=51
